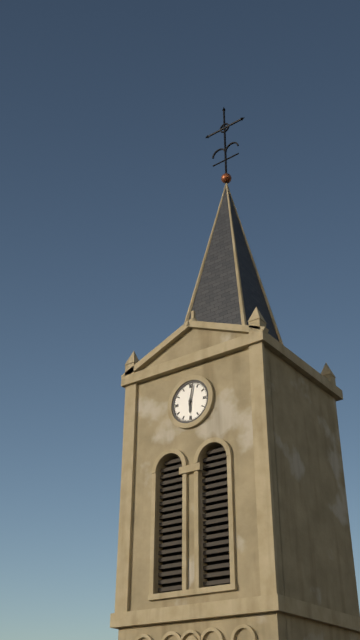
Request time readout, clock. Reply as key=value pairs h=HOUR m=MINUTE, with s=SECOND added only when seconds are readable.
h=6 m=2
